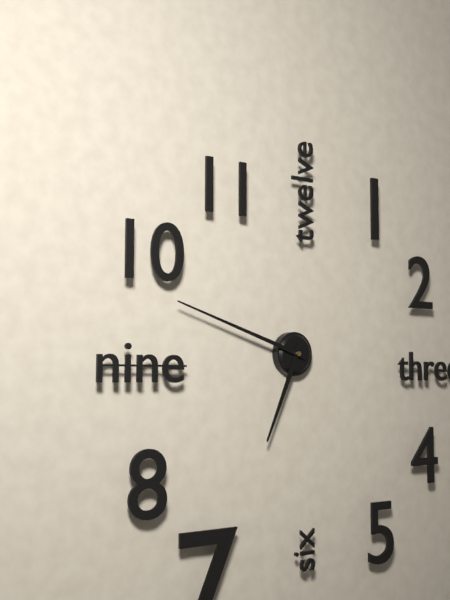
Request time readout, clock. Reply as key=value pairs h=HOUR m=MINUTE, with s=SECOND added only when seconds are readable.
h=6 m=48
